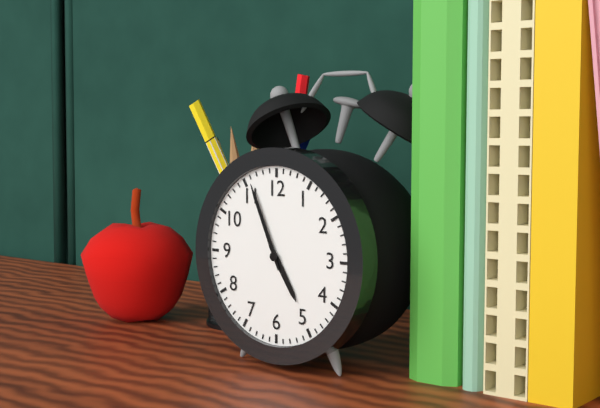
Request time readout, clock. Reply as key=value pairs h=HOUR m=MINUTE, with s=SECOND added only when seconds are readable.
h=4 m=56
